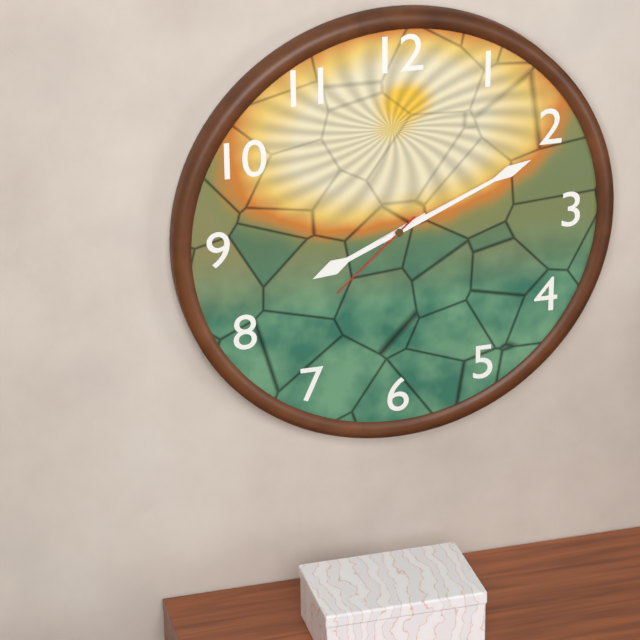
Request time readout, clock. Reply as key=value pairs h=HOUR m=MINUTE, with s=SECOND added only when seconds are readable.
h=8 m=11 s=38
